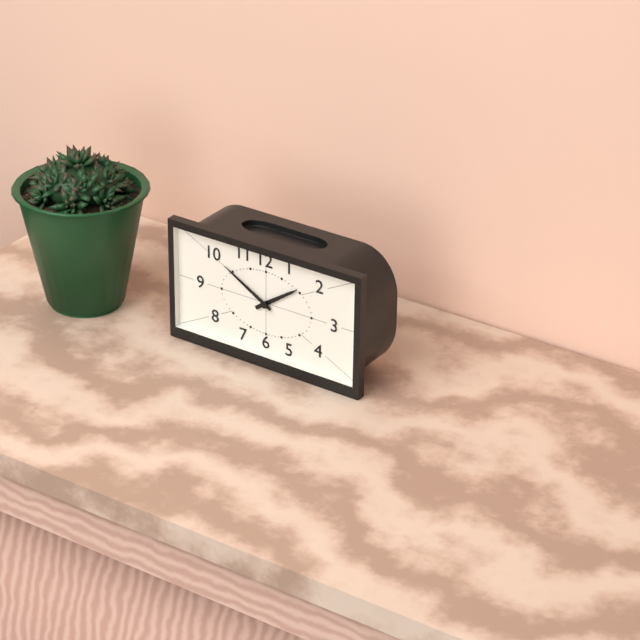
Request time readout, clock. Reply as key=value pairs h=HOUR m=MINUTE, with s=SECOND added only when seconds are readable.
h=1 m=50
